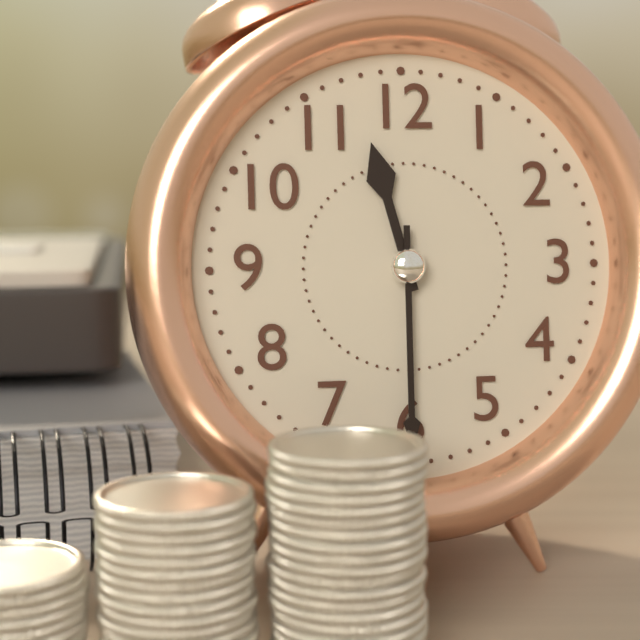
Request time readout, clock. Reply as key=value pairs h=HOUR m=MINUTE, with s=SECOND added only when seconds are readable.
h=11 m=30
